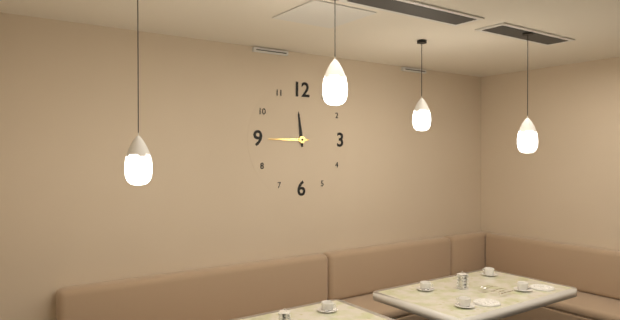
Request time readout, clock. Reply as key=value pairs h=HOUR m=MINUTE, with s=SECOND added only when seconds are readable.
h=11 m=45
